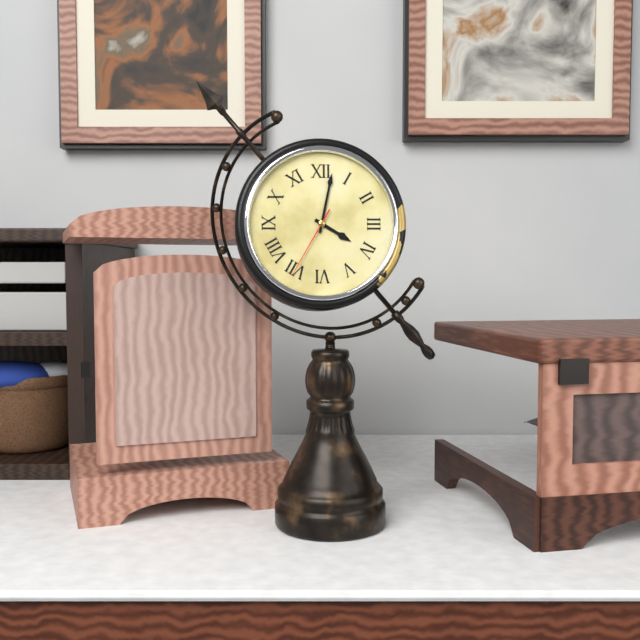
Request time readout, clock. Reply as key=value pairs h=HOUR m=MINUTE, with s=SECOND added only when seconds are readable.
h=4 m=2 s=35
